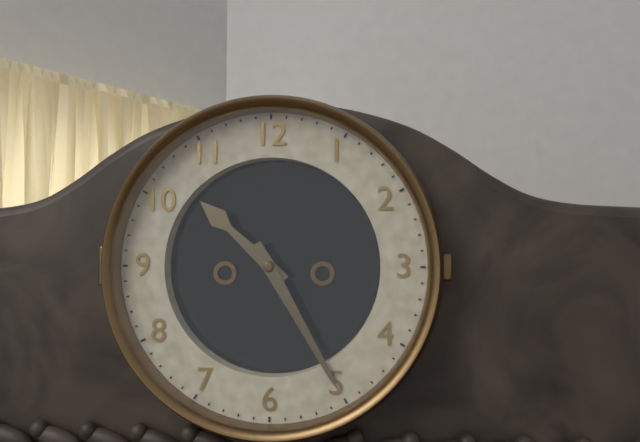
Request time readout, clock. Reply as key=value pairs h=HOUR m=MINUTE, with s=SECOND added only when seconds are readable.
h=10 m=25
